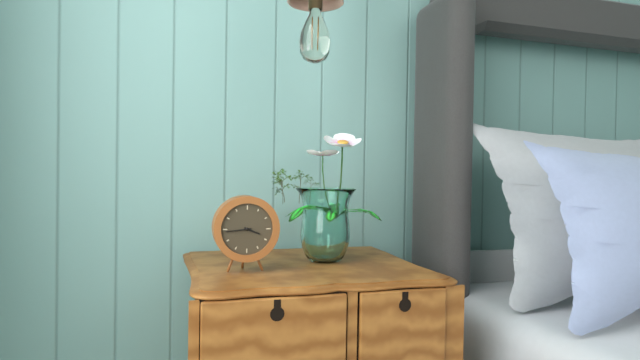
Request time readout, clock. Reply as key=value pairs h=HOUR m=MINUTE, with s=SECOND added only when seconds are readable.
h=3 m=44
